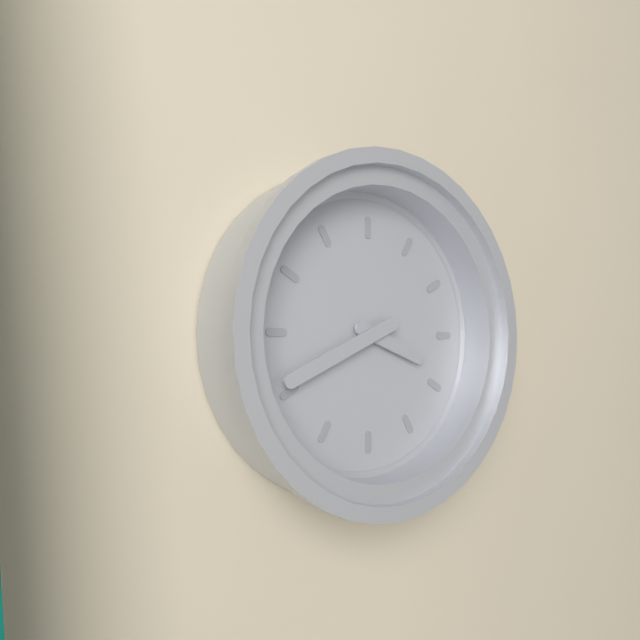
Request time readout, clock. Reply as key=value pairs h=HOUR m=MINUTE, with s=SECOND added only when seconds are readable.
h=3 m=41
